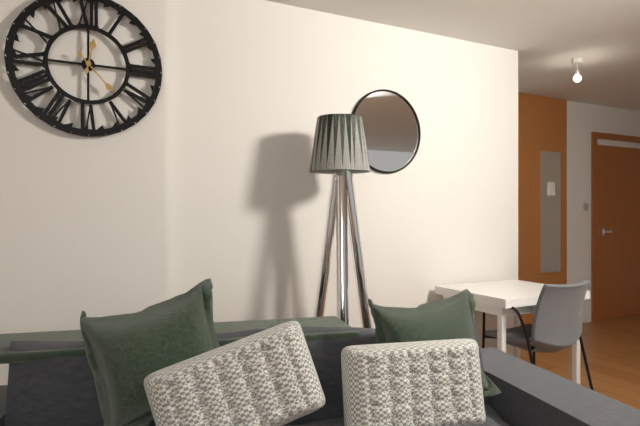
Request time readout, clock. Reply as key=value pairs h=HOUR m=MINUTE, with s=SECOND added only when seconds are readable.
h=12 m=23
